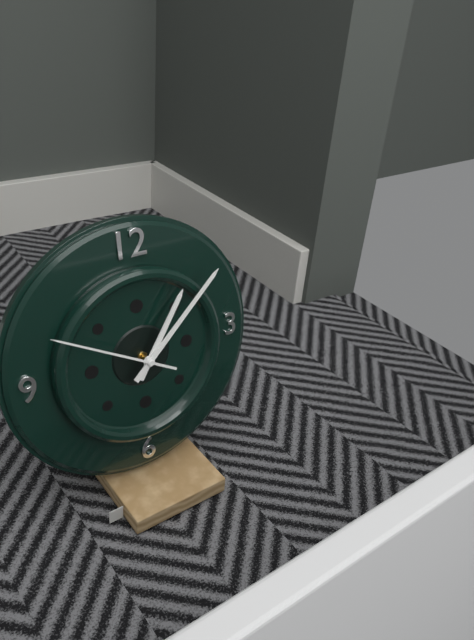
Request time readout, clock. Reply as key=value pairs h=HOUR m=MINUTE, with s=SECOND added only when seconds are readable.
h=1 m=8 s=50
